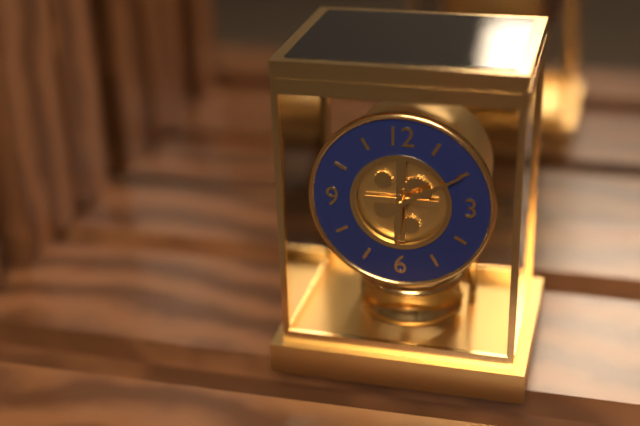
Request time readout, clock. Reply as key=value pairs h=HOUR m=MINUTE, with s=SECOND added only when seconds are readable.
h=6 m=10
